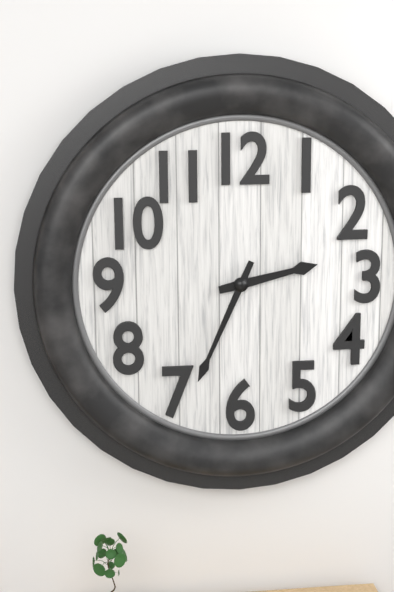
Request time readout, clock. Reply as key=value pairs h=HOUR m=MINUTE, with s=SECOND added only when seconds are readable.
h=2 m=34
